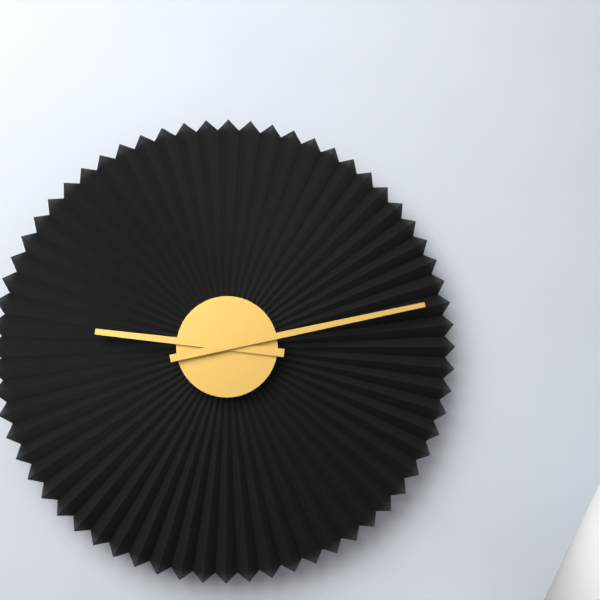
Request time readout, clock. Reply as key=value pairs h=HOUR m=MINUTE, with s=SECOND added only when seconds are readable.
h=9 m=13
